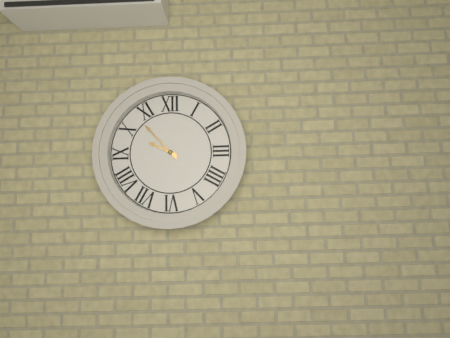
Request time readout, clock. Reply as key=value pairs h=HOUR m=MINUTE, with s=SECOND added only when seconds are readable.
h=9 m=53
